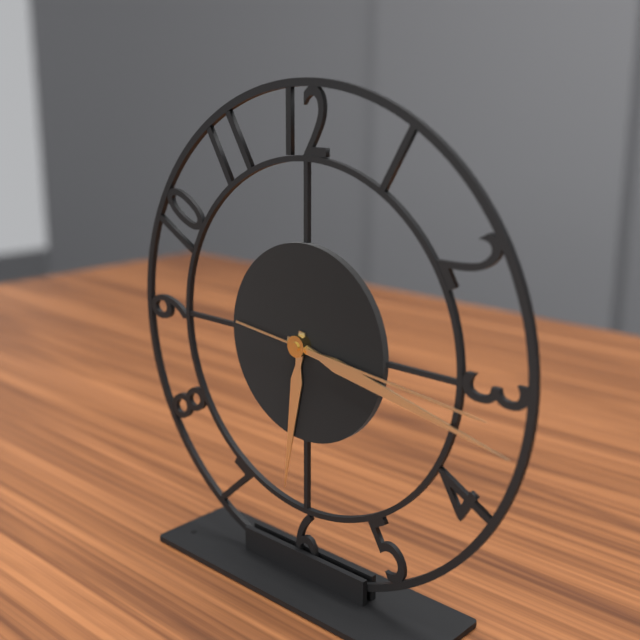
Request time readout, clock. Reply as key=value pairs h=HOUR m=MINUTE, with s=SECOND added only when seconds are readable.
h=6 m=17 s=16
